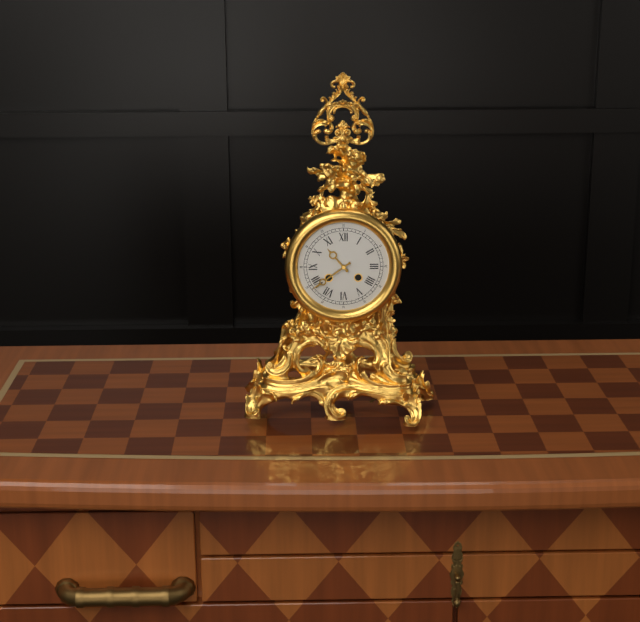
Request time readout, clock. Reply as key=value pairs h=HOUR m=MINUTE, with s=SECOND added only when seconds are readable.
h=10 m=39
